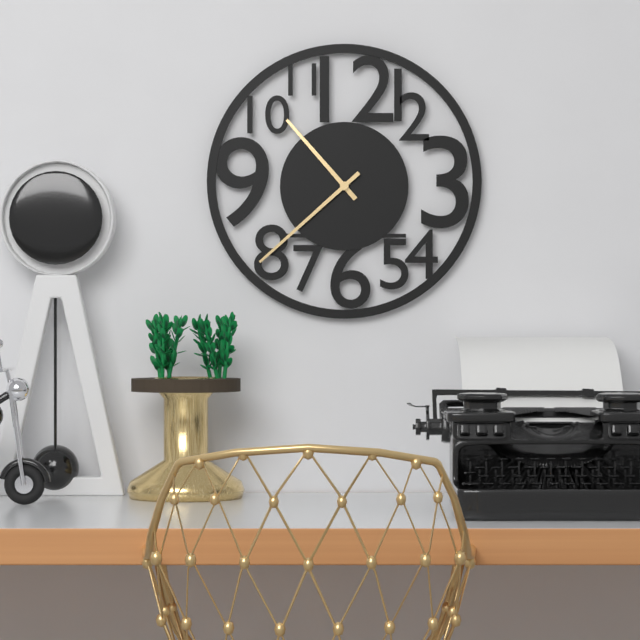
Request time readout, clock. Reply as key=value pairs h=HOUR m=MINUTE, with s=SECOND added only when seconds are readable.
h=10 m=38
